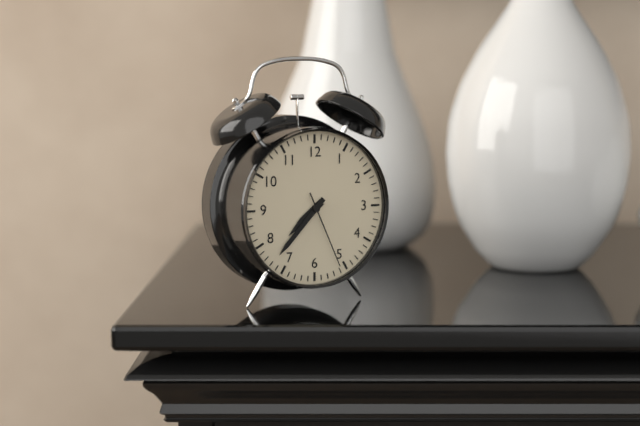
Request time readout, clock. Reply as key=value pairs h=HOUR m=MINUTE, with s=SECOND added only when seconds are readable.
h=7 m=37 s=26
